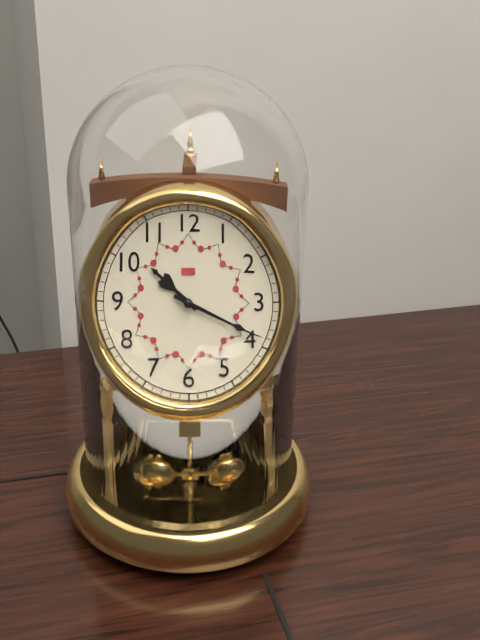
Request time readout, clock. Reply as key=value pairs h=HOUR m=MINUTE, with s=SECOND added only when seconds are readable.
h=10 m=19
